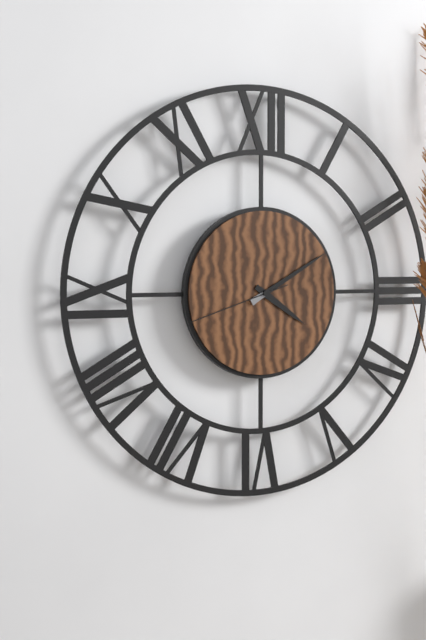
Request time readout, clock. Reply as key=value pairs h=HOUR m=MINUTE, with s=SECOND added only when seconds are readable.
h=4 m=10 s=42
